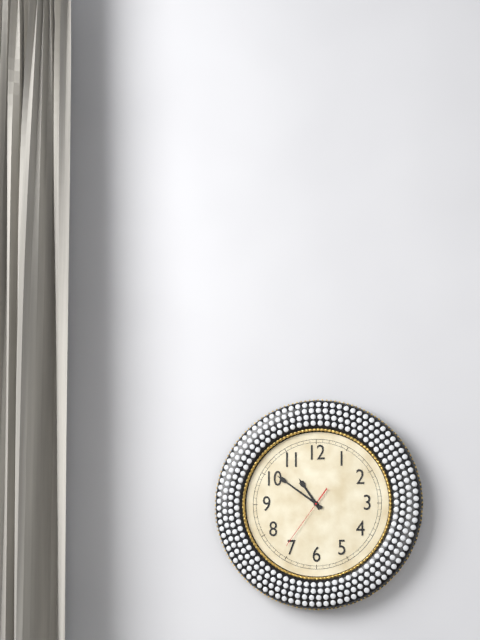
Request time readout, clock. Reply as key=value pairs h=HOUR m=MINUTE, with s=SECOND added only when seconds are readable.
h=10 m=51 s=36
